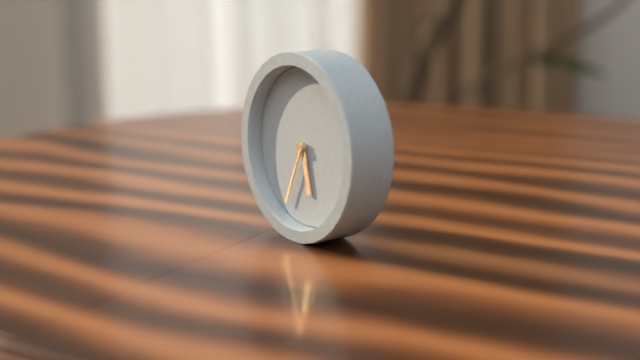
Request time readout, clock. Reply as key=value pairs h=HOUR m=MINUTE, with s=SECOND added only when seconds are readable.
h=5 m=34
